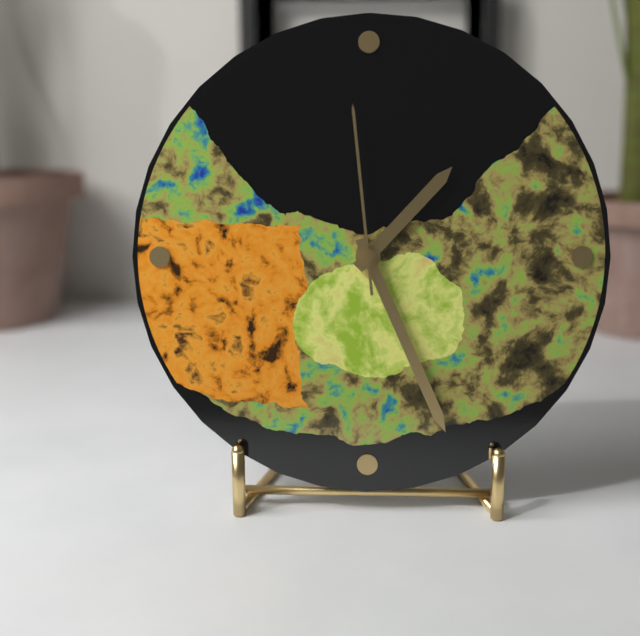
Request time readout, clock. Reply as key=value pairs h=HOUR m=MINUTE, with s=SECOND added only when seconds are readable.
h=1 m=26 s=59
